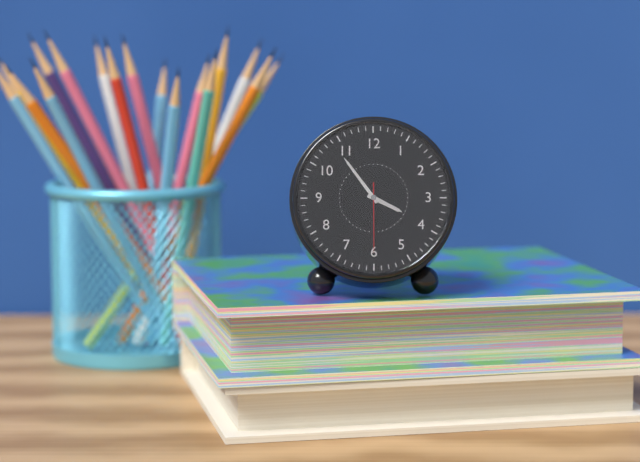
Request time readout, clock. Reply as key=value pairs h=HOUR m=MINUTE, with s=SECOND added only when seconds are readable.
h=3 m=54 s=30
